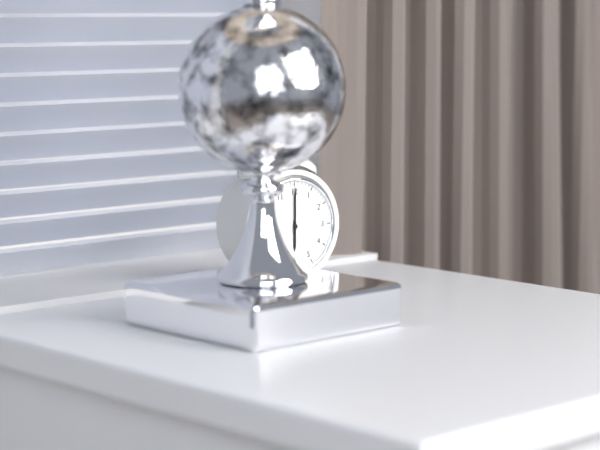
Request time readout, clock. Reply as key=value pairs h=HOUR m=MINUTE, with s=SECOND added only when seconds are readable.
h=6 m=0
